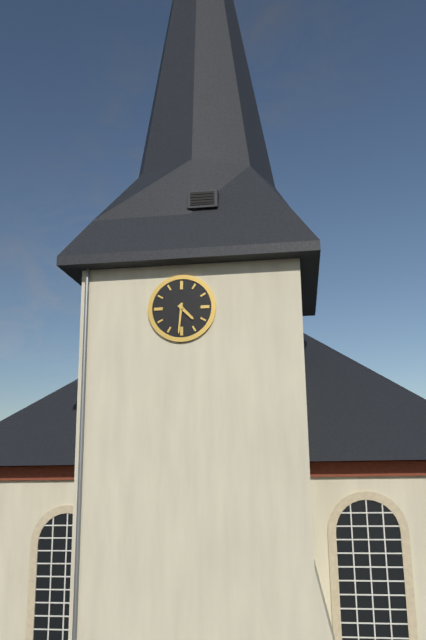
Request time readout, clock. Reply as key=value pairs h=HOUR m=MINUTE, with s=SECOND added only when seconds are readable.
h=4 m=31
